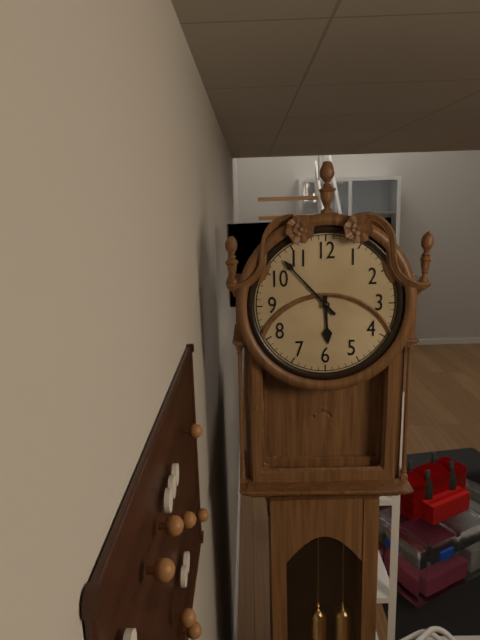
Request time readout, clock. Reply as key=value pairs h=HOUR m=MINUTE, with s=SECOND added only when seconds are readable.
h=5 m=53
